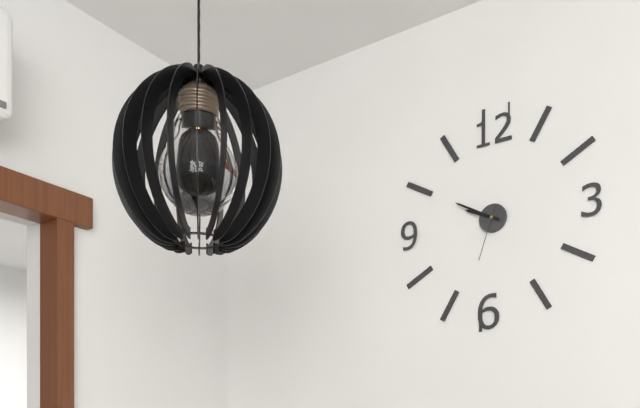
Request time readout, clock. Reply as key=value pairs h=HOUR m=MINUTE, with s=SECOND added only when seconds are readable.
h=9 m=50 s=33
